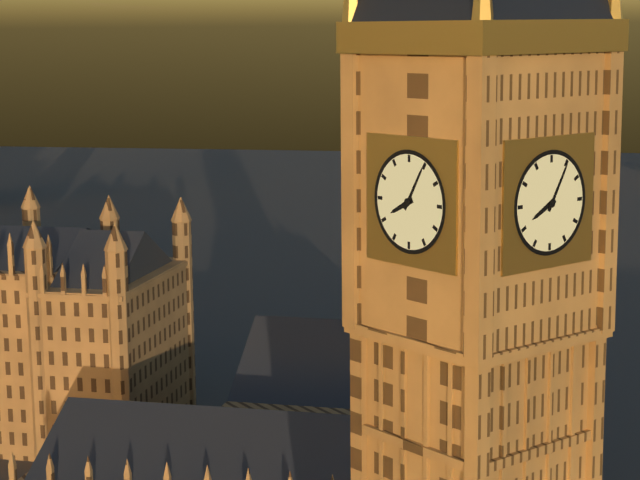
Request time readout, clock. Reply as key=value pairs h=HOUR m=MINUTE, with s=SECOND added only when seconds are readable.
h=8 m=5
